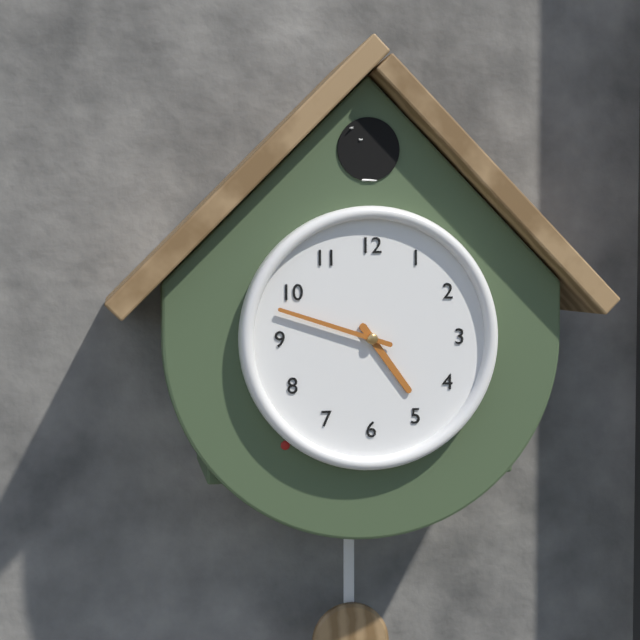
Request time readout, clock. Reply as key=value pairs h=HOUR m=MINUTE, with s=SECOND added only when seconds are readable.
h=4 m=48
